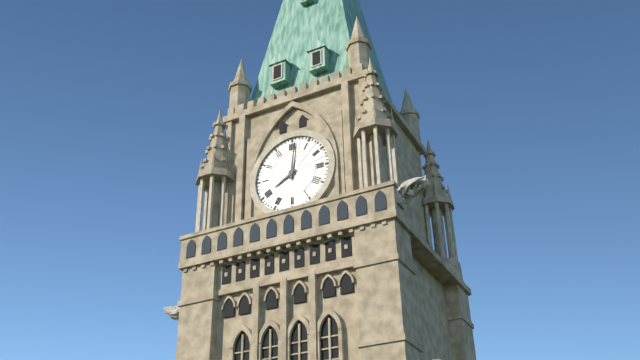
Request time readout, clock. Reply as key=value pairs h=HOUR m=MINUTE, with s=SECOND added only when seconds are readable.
h=8 m=1
